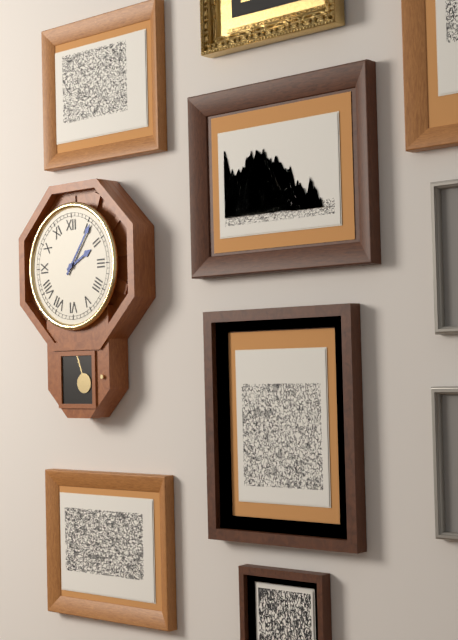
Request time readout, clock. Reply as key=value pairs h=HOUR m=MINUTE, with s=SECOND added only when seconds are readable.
h=2 m=6
